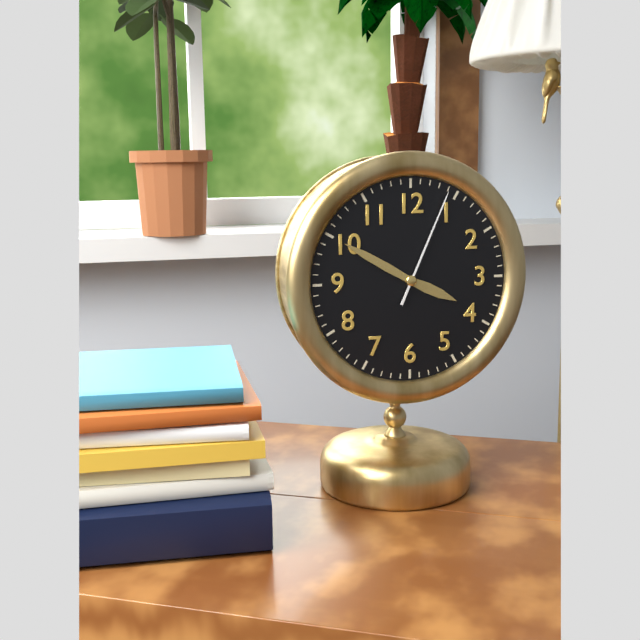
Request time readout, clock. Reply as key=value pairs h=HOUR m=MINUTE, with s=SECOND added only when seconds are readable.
h=3 m=50 s=4
